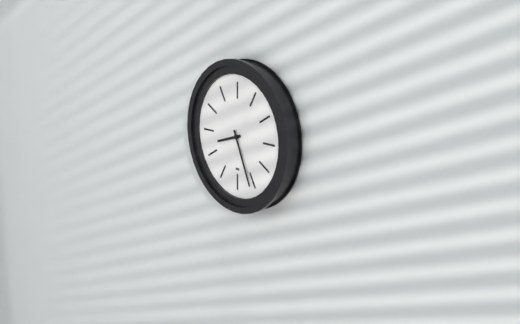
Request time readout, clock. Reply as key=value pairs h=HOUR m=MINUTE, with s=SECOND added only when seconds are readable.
h=8 m=26
